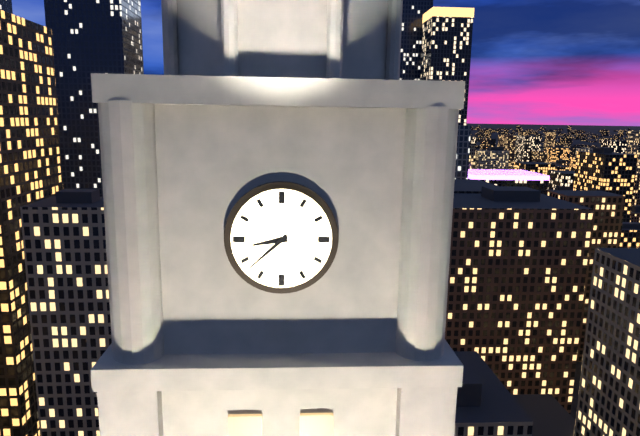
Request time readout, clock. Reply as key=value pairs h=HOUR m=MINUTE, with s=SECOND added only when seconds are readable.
h=8 m=38
